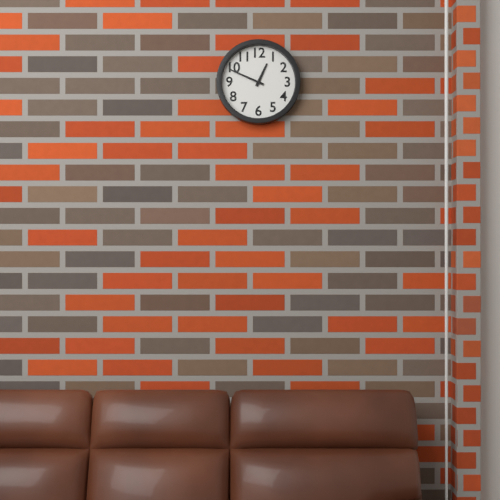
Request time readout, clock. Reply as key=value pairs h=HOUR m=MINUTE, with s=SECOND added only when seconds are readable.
h=12 m=49
